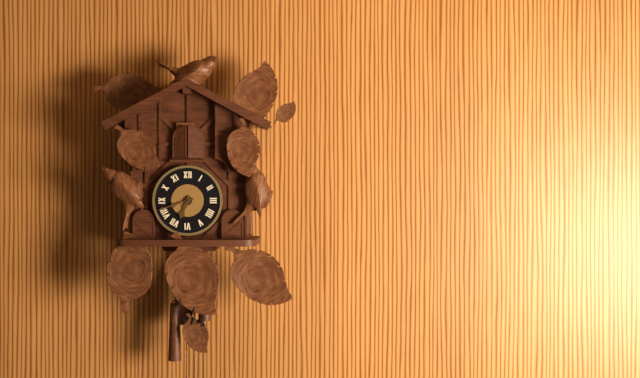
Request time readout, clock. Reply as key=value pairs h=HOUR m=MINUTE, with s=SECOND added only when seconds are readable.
h=6 m=42
